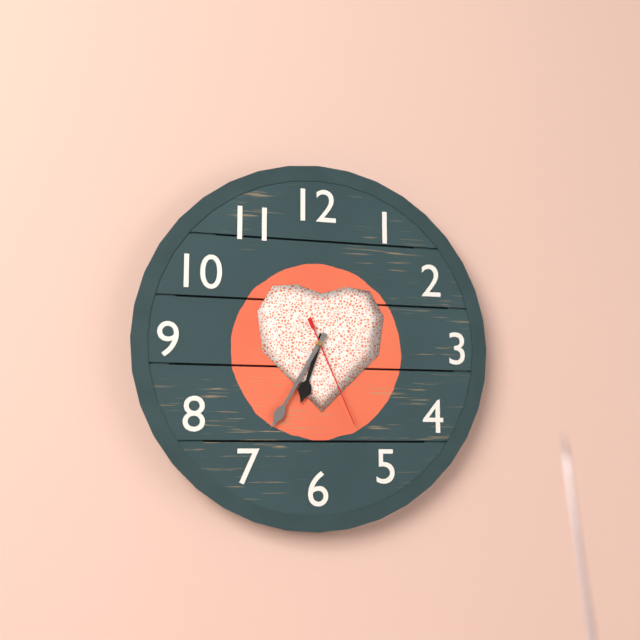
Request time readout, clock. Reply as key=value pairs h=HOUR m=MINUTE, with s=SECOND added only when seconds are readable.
h=6 m=35 s=26
